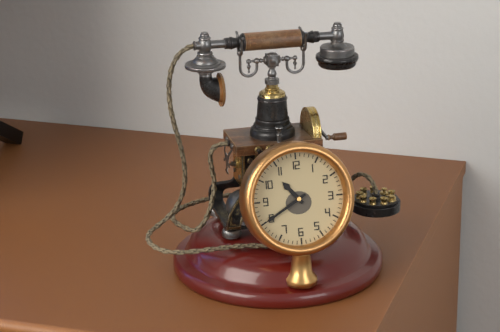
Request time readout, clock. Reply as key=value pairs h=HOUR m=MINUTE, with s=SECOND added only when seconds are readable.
h=10 m=40
